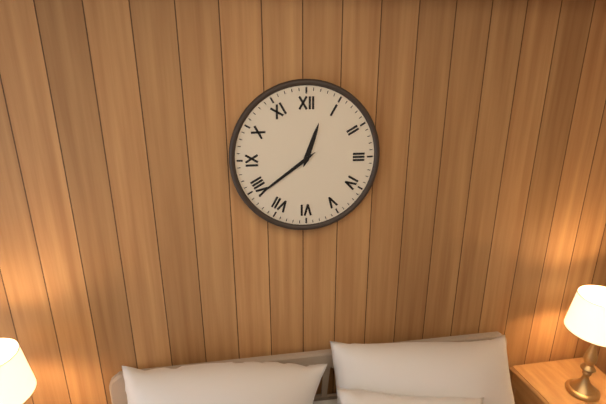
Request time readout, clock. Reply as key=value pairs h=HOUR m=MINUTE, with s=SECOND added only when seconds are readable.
h=12 m=39
